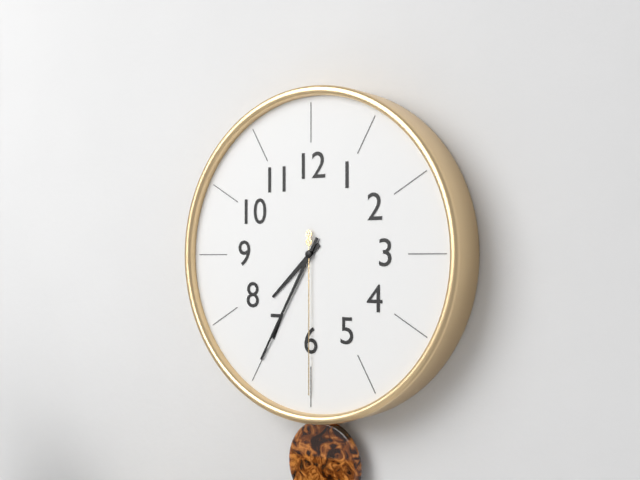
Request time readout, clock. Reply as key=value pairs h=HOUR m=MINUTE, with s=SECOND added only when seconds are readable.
h=7 m=35 s=30
